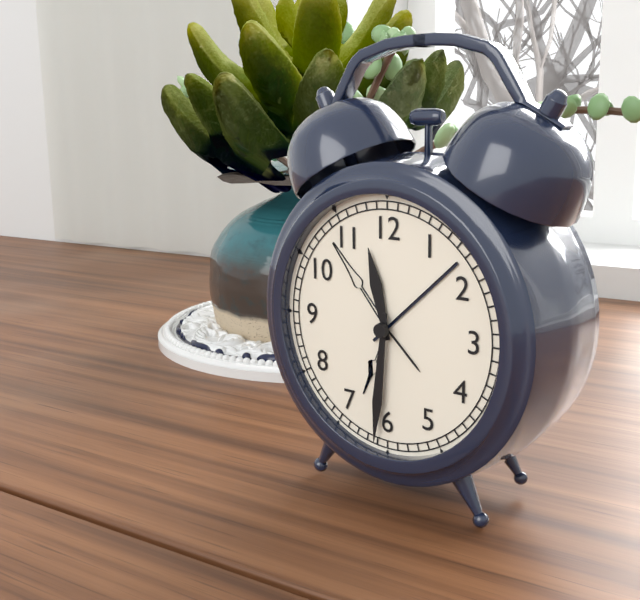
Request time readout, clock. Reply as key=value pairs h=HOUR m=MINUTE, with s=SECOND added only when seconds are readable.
h=11 m=31
